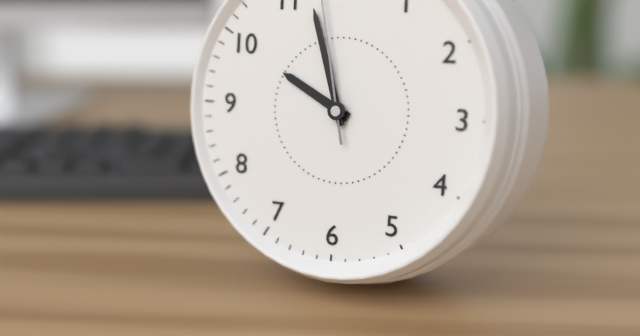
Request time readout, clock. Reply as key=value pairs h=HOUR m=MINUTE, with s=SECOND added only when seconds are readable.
h=9 m=57
